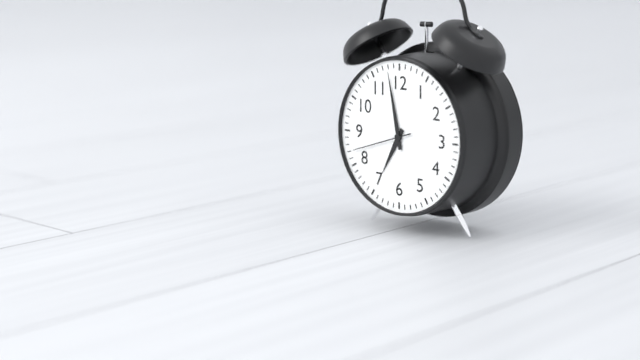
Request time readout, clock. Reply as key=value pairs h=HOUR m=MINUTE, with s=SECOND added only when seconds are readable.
h=6 m=58 s=42
